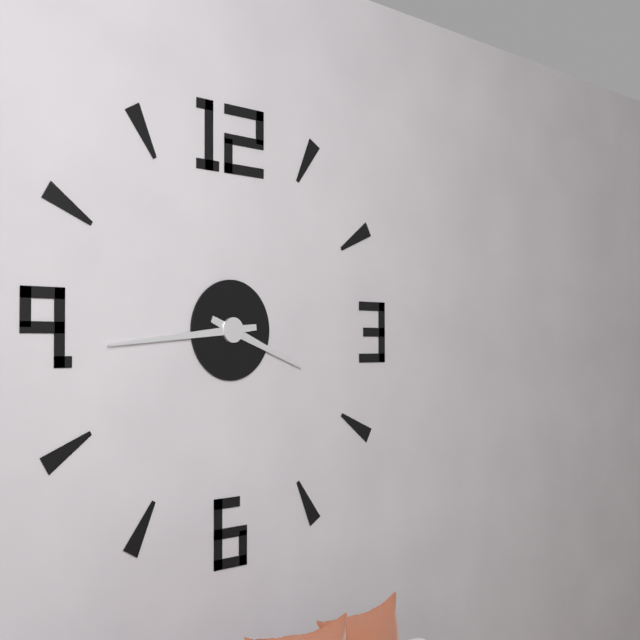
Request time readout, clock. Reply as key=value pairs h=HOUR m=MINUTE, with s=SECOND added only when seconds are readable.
h=3 m=44
